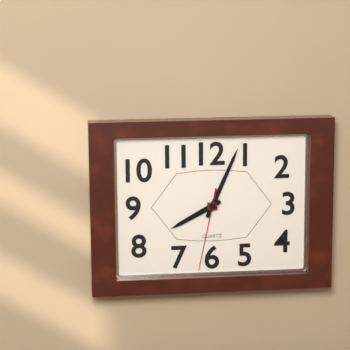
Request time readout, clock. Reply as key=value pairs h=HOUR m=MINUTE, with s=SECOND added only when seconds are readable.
h=8 m=4 s=32
